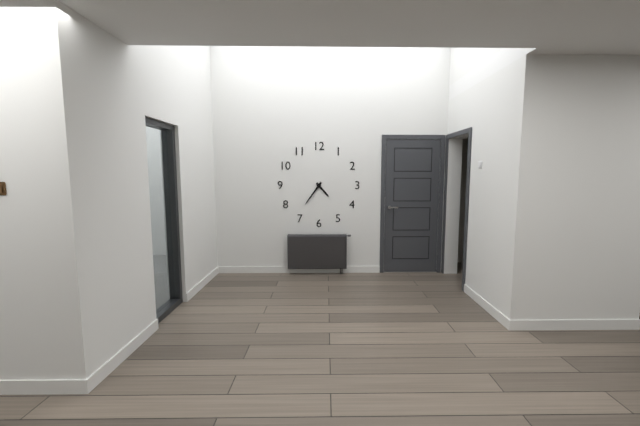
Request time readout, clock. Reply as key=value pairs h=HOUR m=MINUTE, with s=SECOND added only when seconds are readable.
h=4 m=36
